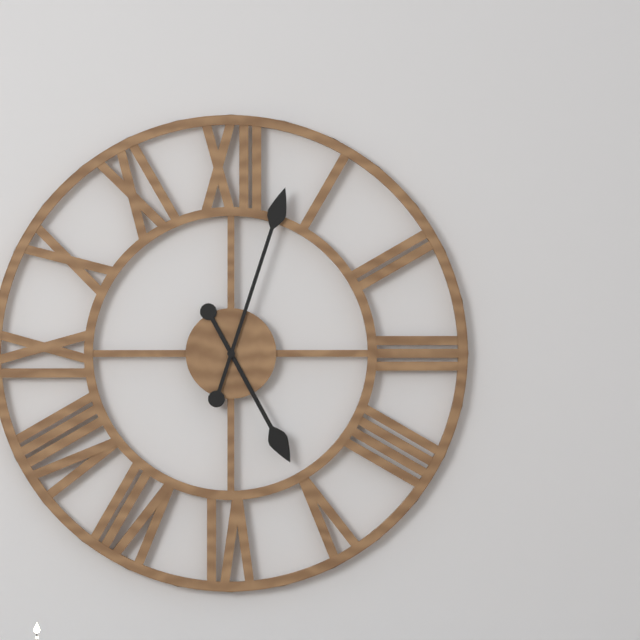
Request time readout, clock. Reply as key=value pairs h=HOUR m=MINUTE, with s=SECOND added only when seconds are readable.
h=5 m=3
